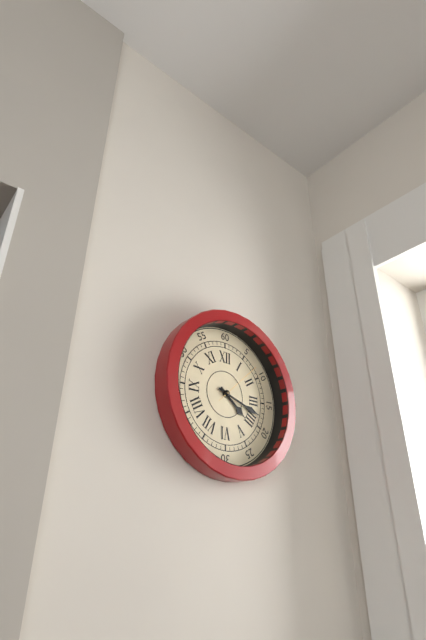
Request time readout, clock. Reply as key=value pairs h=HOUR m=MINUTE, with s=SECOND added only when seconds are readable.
h=4 m=18
